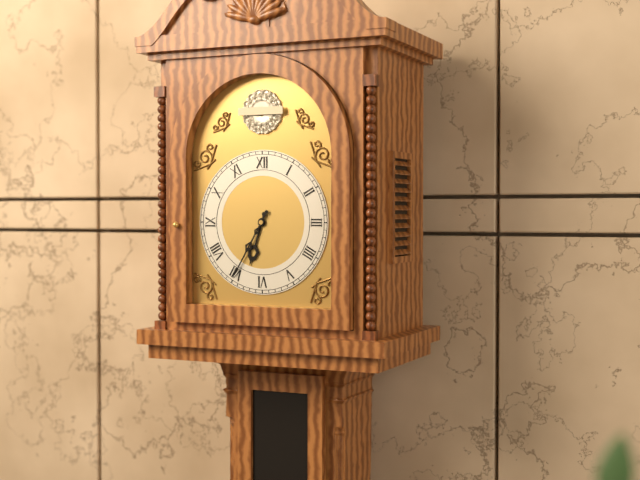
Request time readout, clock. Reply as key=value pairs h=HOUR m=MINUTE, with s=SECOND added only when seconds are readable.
h=6 m=35
